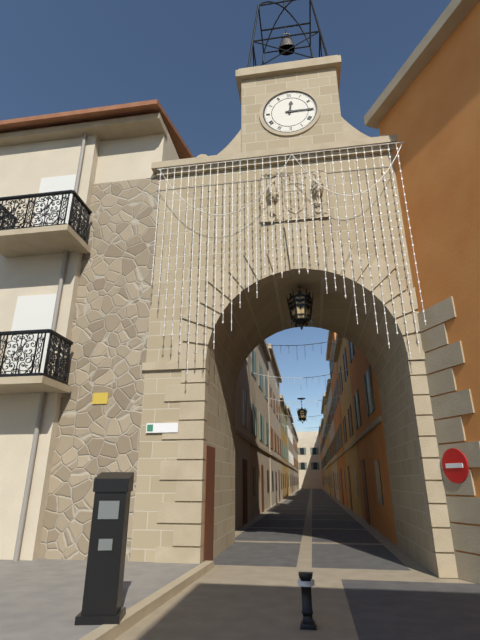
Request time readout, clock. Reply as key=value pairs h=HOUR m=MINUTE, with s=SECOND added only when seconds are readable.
h=12 m=15
